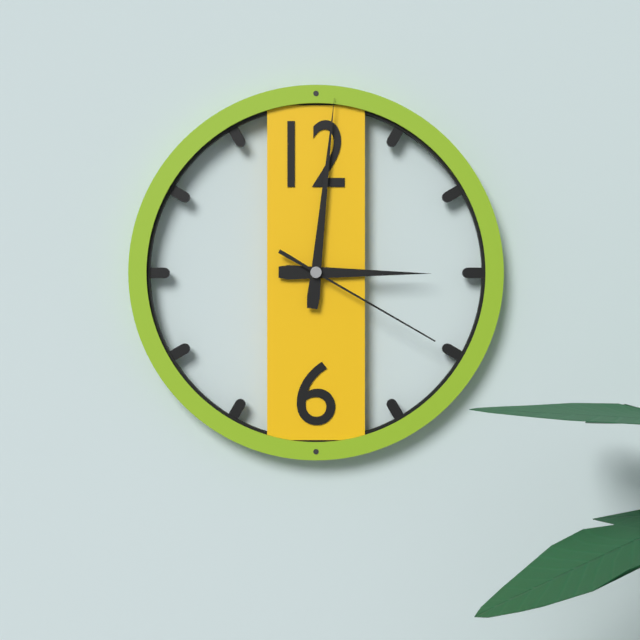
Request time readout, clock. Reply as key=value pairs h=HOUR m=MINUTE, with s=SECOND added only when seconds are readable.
h=3 m=1 s=20
